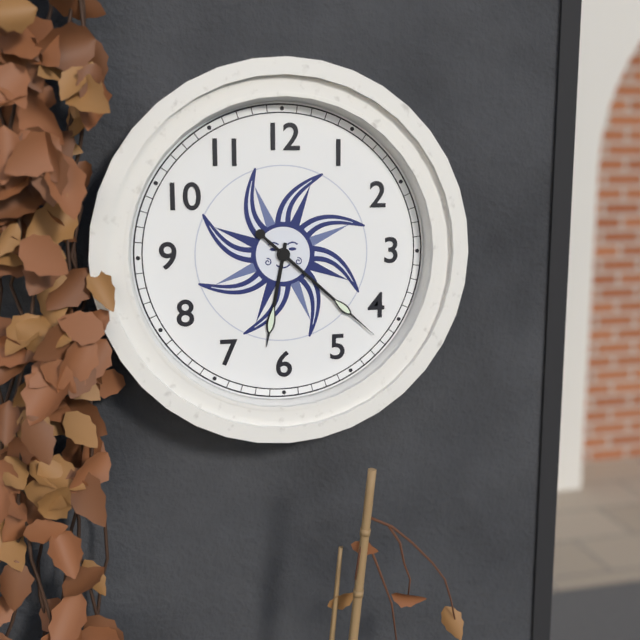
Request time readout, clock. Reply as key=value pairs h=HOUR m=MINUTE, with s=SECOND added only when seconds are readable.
h=6 m=22
